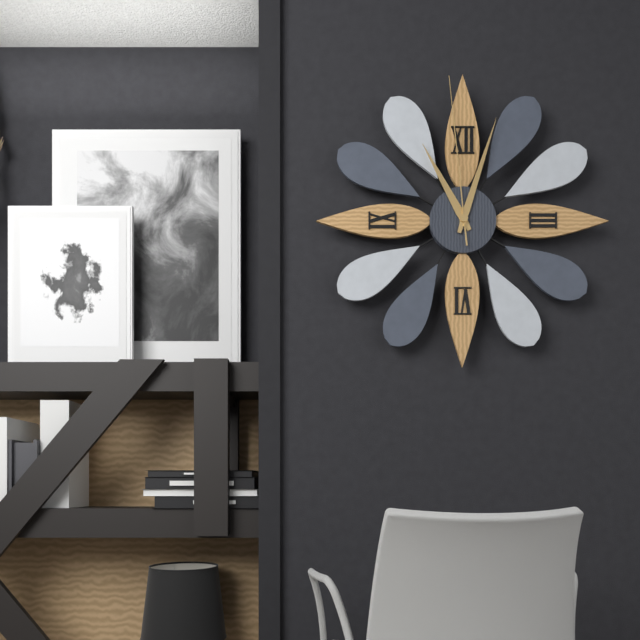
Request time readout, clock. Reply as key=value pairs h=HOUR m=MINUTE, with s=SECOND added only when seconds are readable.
h=11 m=3 s=59
